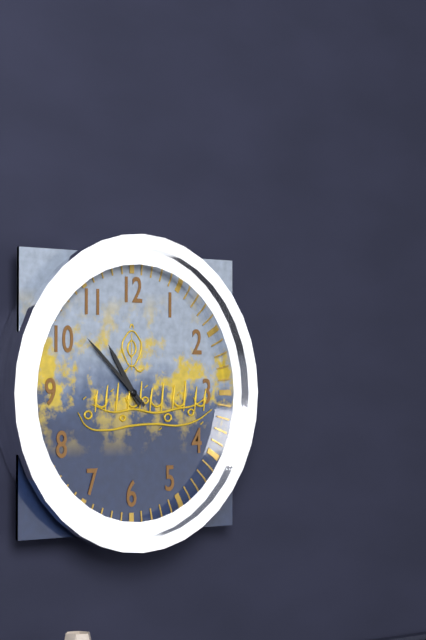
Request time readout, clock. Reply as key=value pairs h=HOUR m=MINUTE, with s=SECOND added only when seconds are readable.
h=10 m=52
